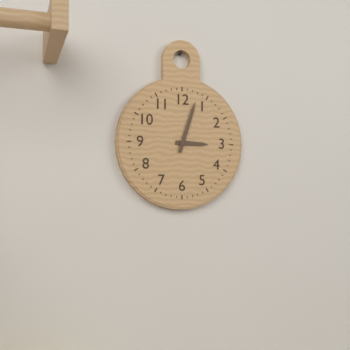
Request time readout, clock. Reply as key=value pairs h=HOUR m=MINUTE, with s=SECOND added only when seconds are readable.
h=3 m=3
